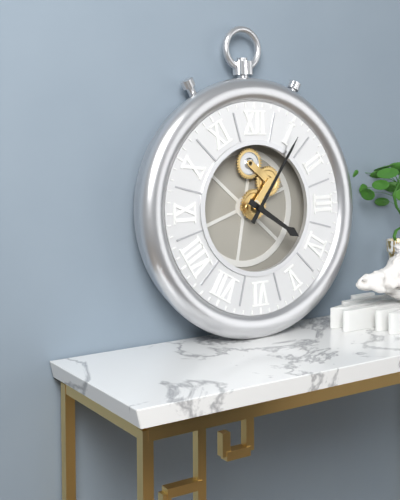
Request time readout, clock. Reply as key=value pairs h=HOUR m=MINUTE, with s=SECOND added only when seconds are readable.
h=4 m=6
